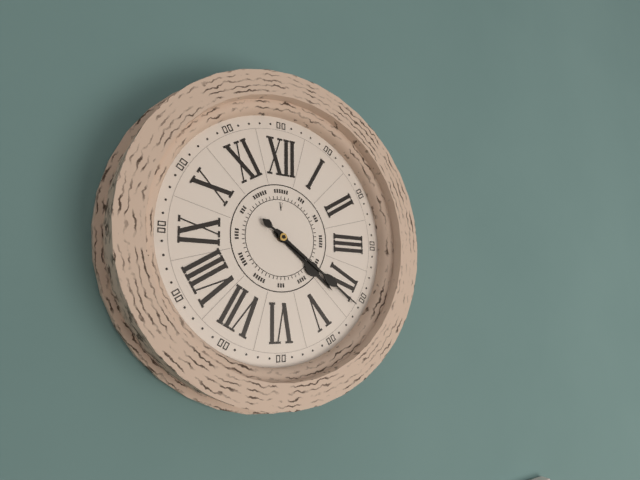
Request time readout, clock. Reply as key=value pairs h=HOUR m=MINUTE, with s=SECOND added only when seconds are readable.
h=4 m=21
